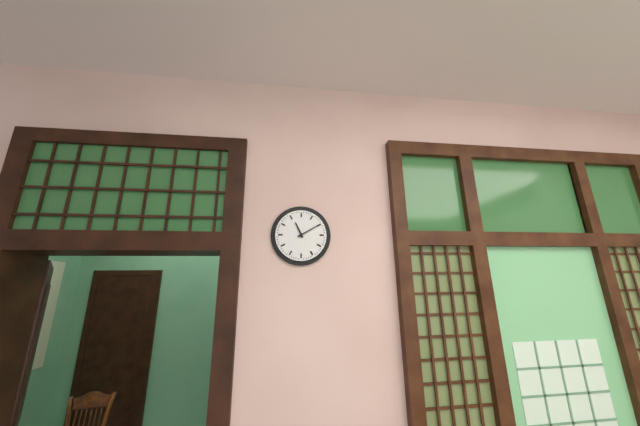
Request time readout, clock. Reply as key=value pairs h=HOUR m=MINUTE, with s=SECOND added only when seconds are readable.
h=11 m=10
